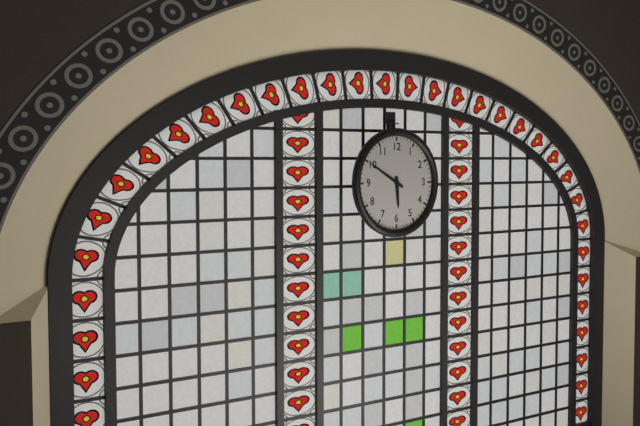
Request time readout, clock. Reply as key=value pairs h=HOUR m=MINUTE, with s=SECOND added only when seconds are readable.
h=5 m=50
